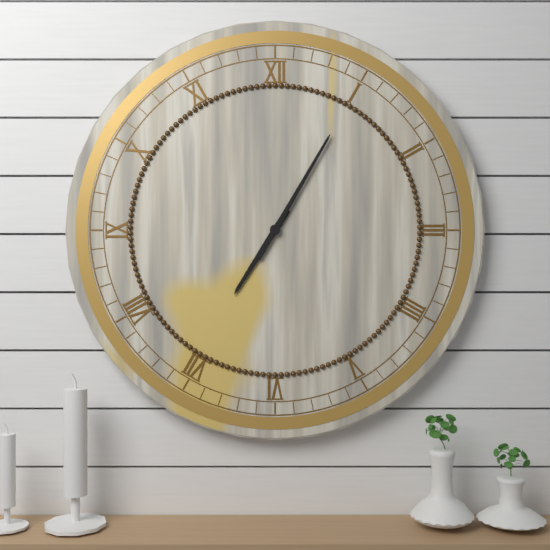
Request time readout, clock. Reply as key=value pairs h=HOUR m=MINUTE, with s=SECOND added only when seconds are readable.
h=7 m=5
